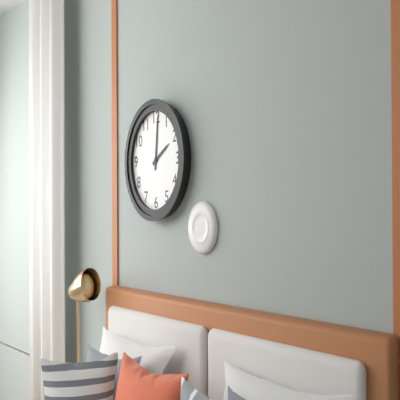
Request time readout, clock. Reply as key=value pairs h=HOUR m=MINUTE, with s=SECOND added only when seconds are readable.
h=2 m=1
